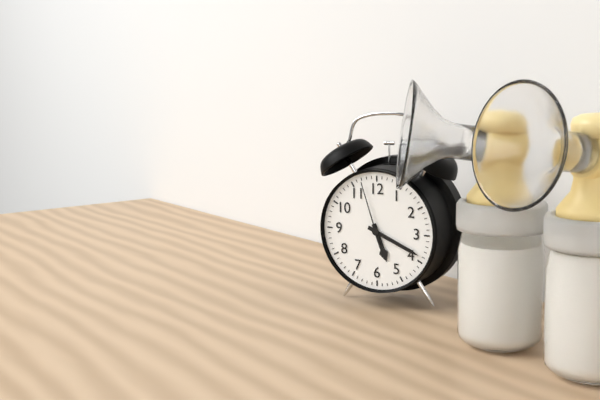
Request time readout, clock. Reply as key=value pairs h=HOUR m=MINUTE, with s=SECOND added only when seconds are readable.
h=5 m=19 s=57
